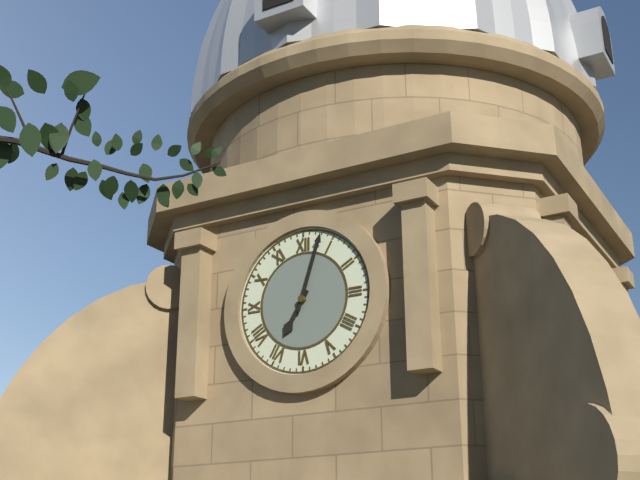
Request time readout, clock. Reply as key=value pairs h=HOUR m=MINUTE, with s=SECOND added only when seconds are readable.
h=7 m=3
